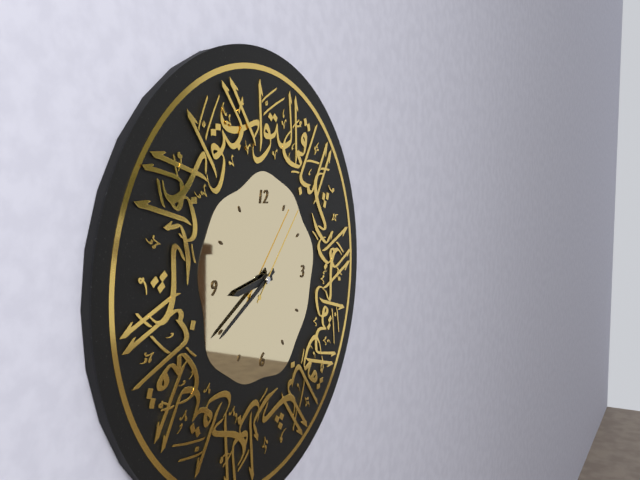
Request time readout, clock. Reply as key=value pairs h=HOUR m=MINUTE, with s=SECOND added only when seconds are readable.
h=8 m=40 s=7
